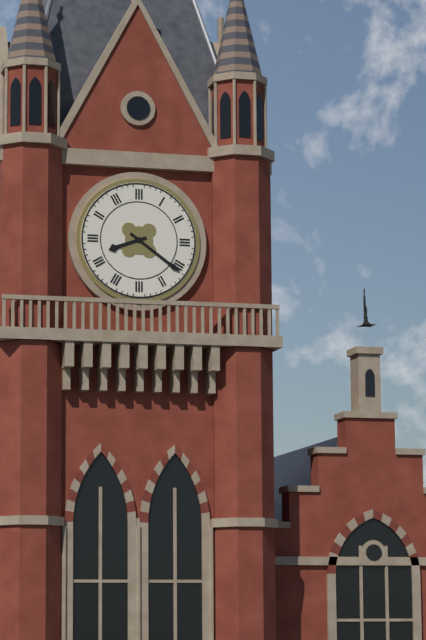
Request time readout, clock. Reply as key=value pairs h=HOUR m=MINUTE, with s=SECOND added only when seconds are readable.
h=8 m=21
